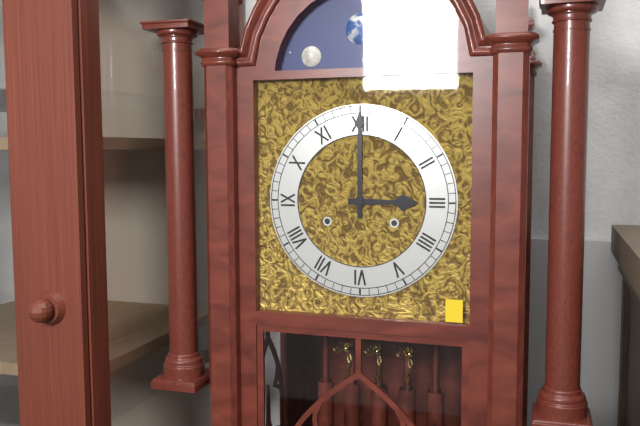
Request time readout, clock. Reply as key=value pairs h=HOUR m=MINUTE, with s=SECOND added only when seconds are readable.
h=3 m=0
